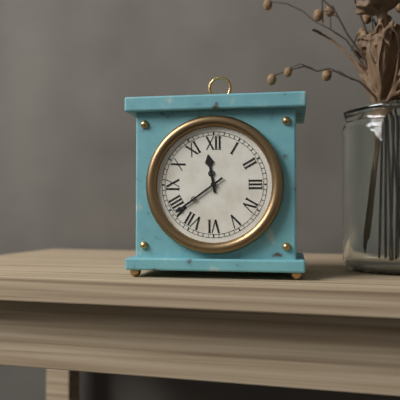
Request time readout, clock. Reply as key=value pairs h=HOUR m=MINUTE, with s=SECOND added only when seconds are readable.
h=11 m=39
